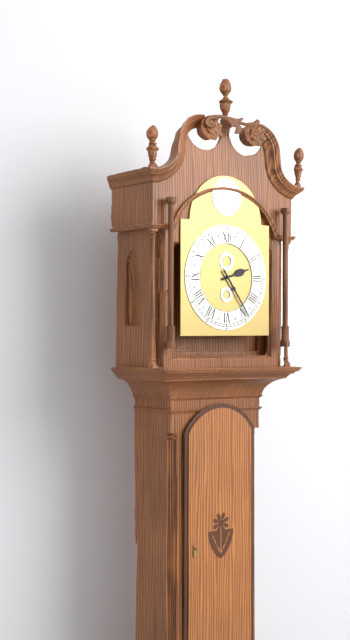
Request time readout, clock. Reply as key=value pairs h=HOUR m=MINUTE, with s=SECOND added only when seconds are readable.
h=2 m=24
